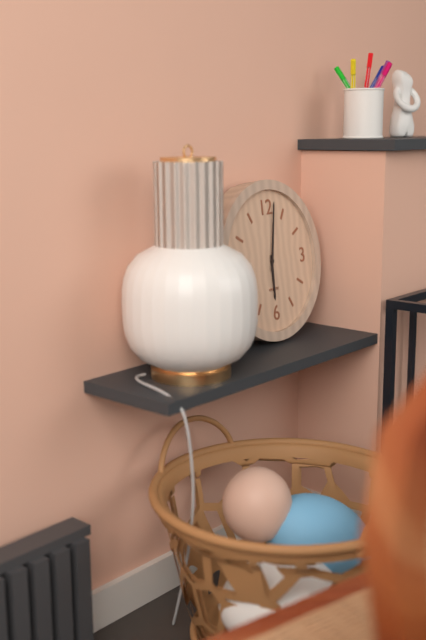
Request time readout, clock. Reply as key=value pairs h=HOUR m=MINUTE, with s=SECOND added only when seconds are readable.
h=6 m=2
